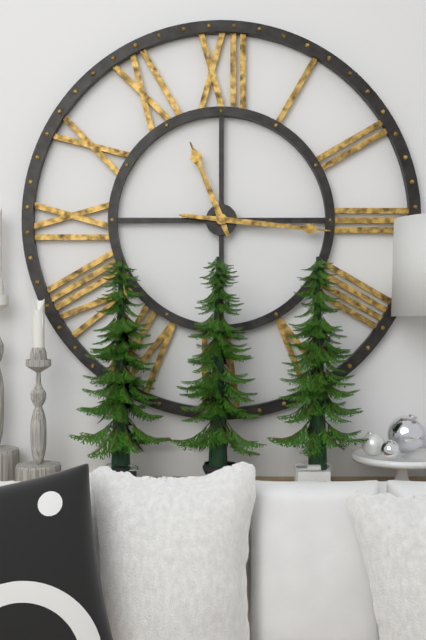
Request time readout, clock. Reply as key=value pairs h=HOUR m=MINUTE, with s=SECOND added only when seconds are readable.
h=11 m=16
